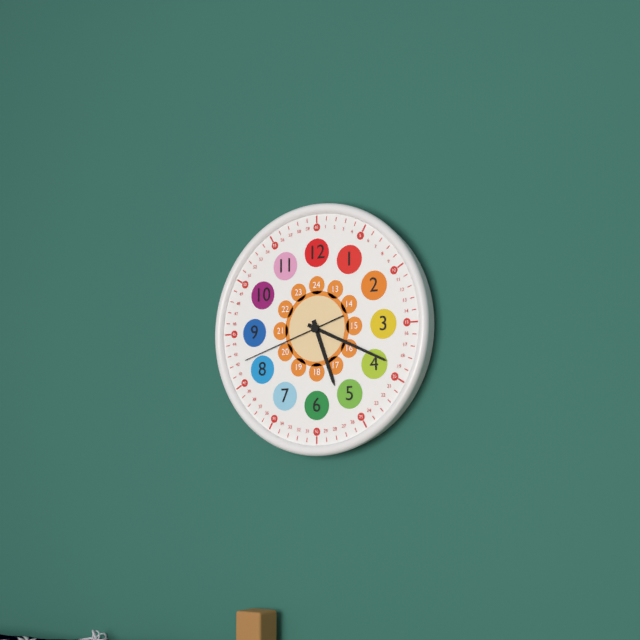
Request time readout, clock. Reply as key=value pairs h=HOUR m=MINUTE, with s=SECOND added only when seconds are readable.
h=5 m=19 s=42
